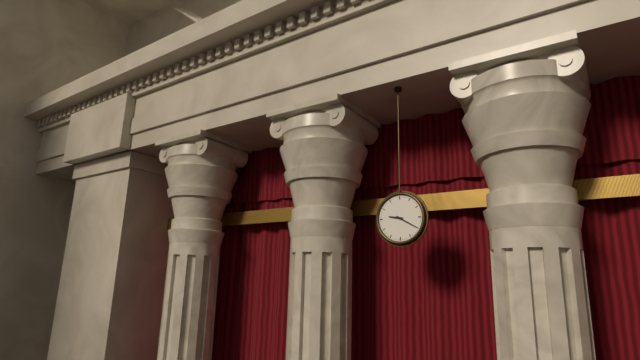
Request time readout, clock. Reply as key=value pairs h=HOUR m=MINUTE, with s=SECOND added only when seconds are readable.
h=9 m=20
